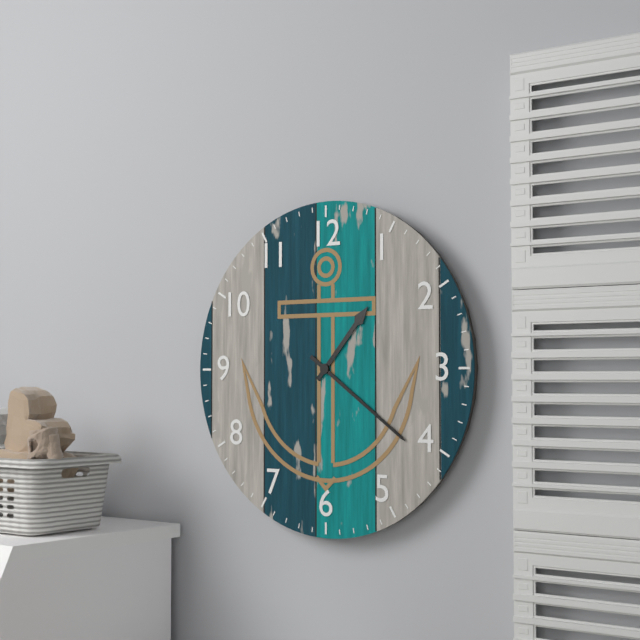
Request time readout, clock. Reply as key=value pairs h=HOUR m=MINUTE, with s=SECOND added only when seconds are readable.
h=1 m=21
